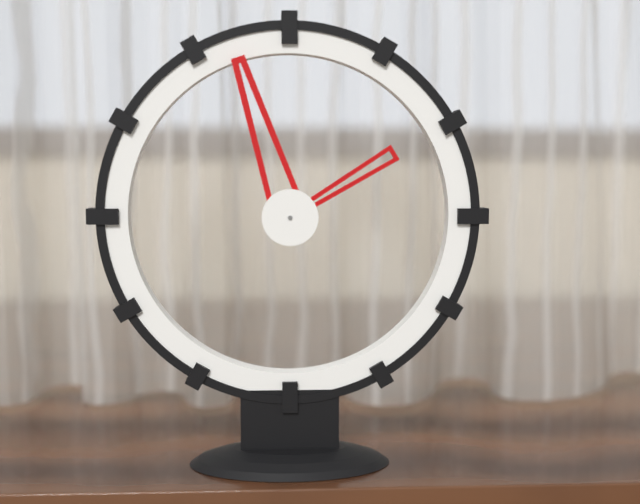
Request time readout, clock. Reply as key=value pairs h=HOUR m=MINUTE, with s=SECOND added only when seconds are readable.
h=1 m=57
